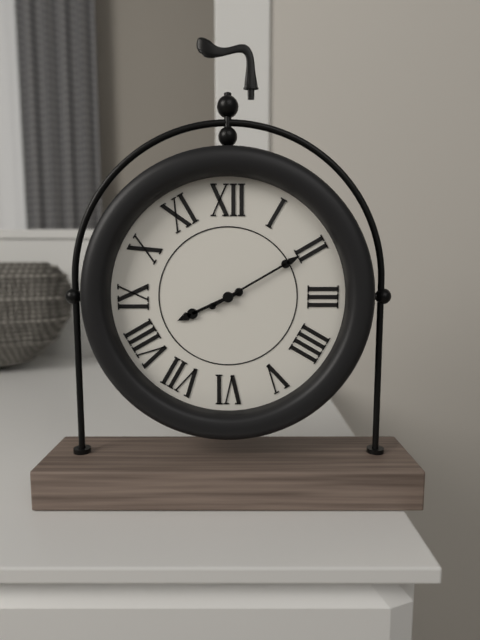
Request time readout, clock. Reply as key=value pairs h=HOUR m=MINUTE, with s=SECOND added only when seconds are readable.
h=8 m=10
